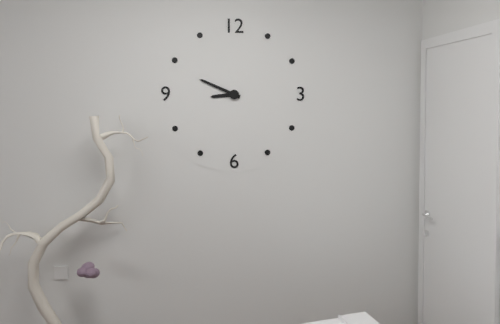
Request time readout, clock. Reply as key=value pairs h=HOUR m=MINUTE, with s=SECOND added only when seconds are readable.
h=8 m=49
